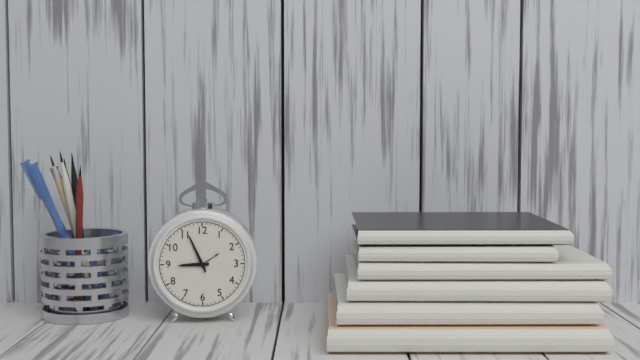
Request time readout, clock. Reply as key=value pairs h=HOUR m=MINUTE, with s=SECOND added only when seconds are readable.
h=8 m=56
